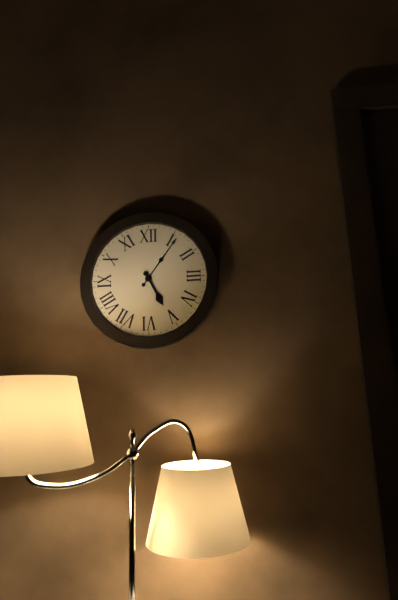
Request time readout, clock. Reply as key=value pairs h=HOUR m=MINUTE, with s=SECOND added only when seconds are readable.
h=5 m=6
